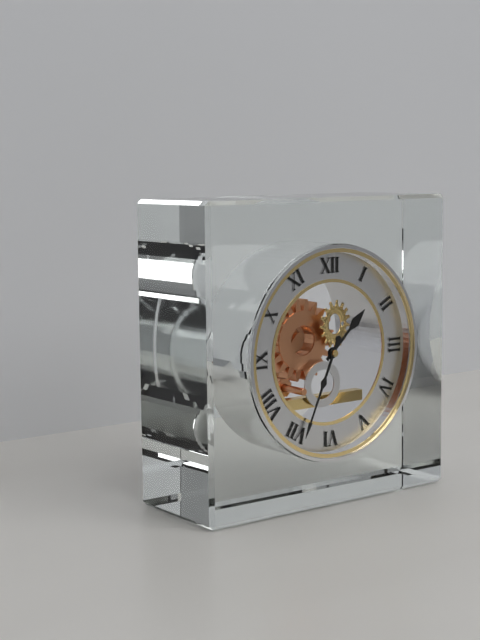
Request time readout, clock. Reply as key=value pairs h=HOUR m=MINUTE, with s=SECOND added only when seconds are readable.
h=1 m=34
